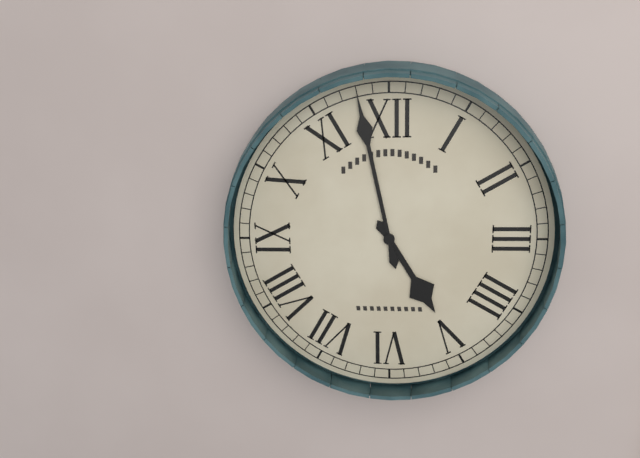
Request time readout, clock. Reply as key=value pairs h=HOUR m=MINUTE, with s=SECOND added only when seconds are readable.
h=4 m=58
